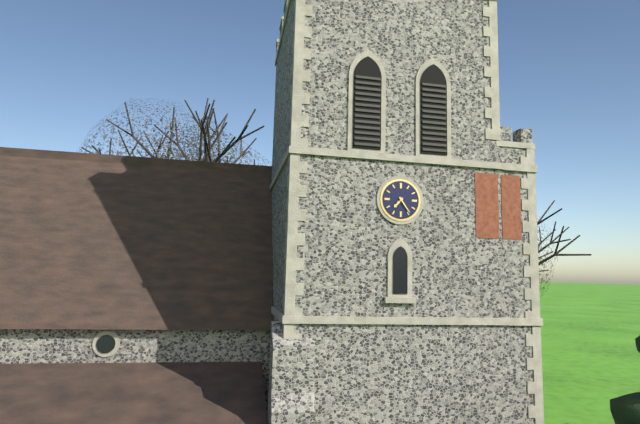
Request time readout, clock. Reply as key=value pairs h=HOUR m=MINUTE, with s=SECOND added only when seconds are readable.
h=7 m=24
